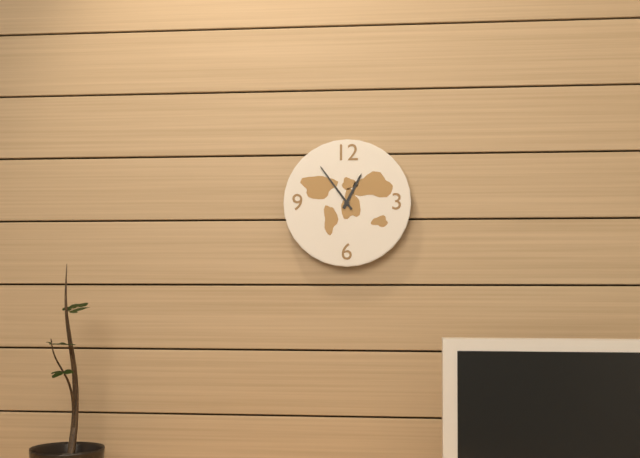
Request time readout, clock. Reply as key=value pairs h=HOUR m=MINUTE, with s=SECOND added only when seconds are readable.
h=12 m=54
